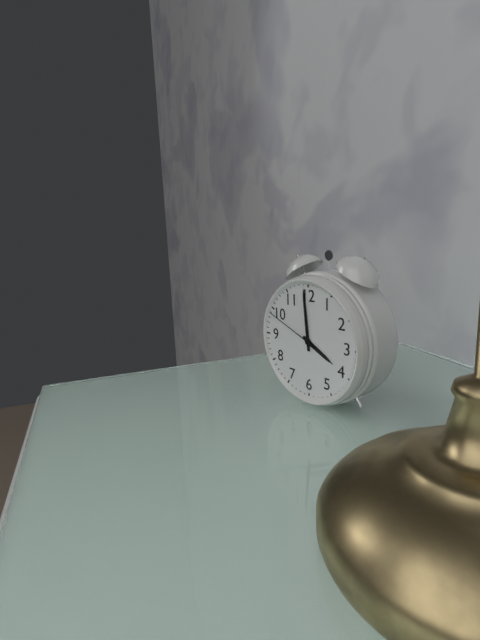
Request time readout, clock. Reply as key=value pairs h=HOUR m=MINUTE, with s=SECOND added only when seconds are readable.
h=3 m=59 s=49
